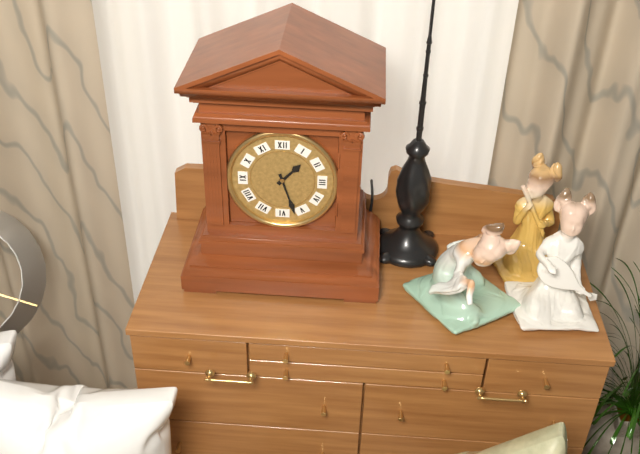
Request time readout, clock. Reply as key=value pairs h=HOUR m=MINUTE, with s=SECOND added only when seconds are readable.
h=1 m=27
